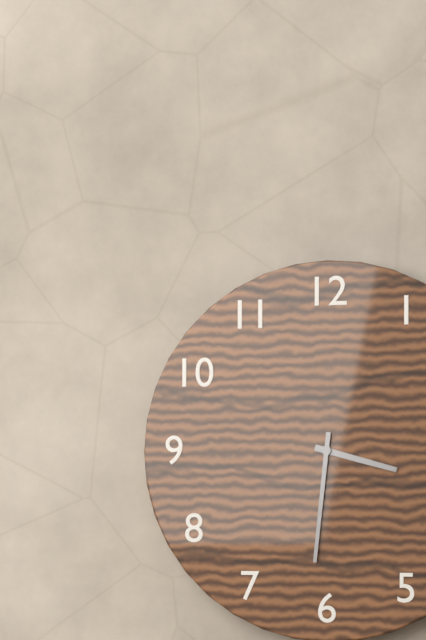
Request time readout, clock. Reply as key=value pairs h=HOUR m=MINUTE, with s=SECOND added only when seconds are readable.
h=3 m=31
